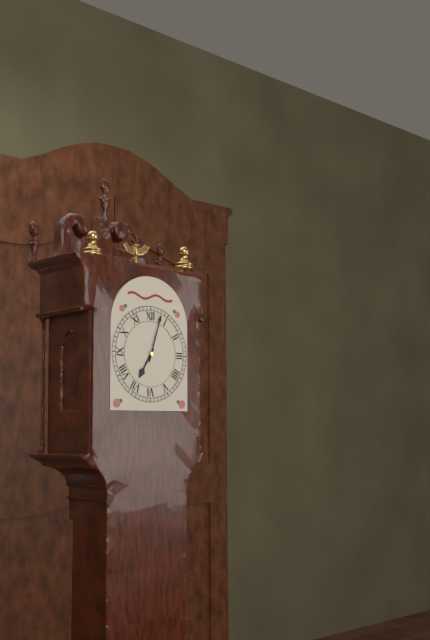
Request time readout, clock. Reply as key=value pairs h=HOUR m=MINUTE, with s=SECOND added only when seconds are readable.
h=7 m=3
